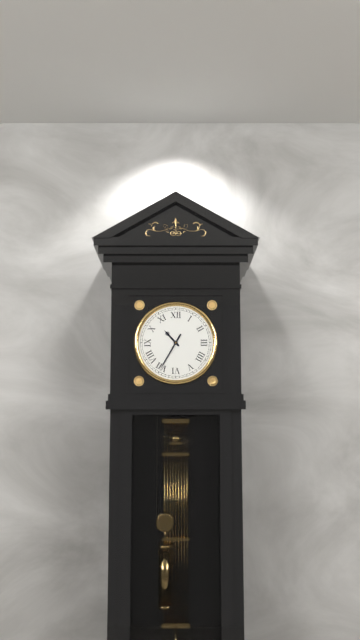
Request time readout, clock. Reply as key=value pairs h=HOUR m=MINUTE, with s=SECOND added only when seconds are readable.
h=10 m=35
